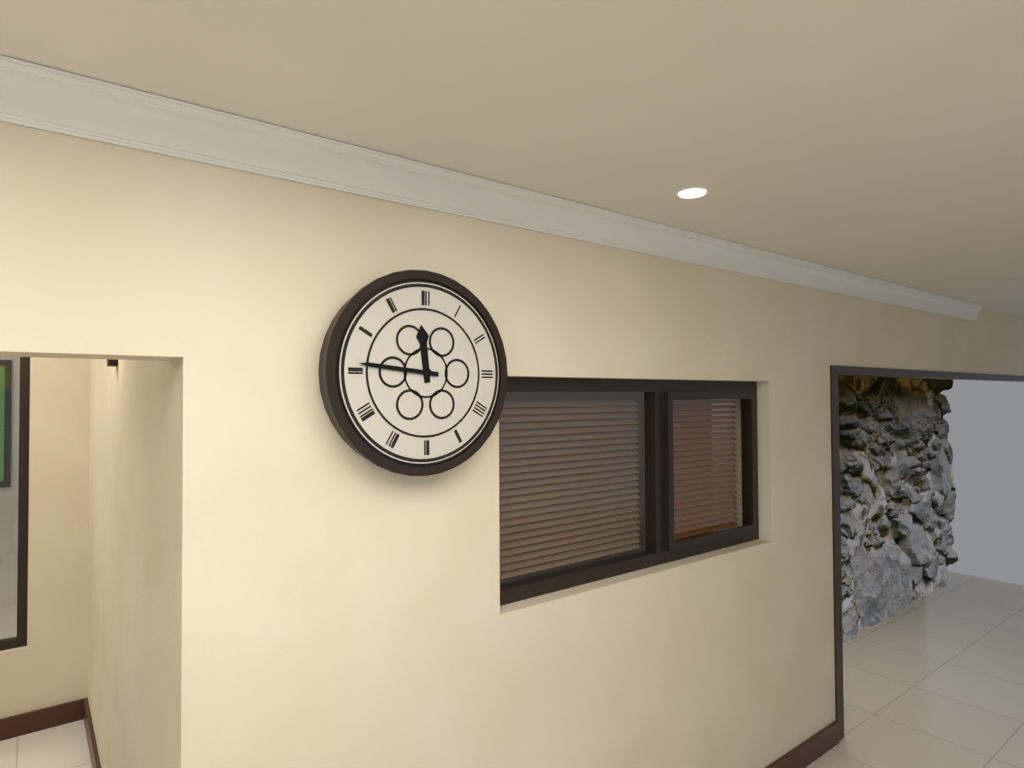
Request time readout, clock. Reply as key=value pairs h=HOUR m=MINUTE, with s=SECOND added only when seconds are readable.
h=11 m=46
